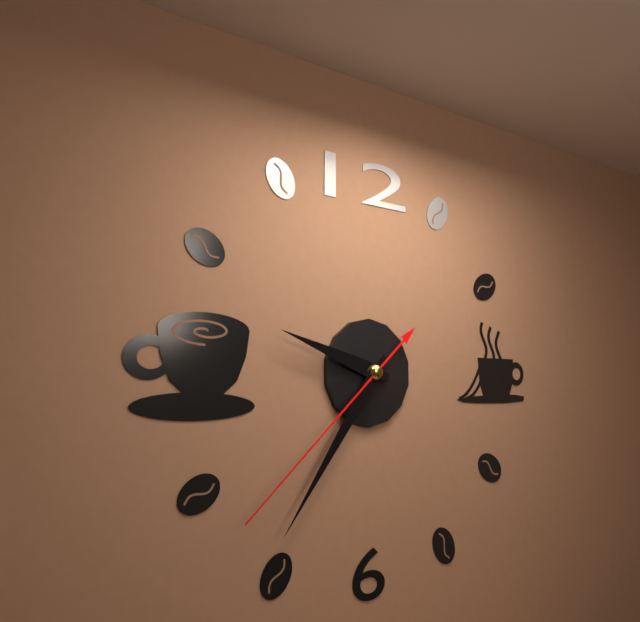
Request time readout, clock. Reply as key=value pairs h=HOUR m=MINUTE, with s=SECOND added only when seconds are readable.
h=9 m=36 s=38
